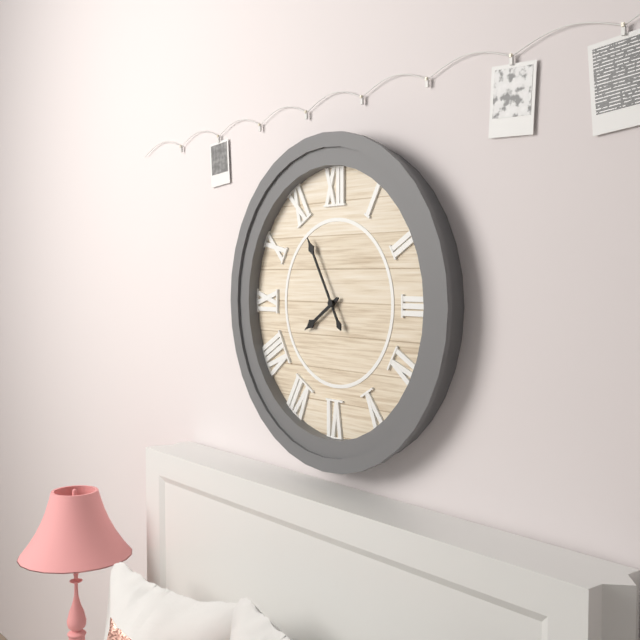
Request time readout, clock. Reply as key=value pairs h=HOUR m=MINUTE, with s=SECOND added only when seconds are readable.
h=7 m=55
